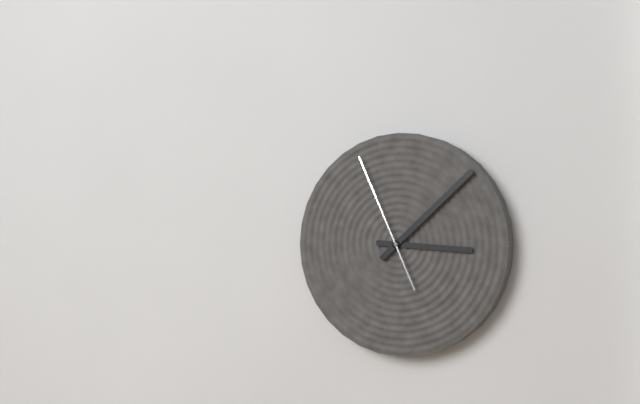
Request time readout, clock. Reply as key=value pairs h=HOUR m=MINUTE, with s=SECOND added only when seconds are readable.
h=3 m=8 s=56
